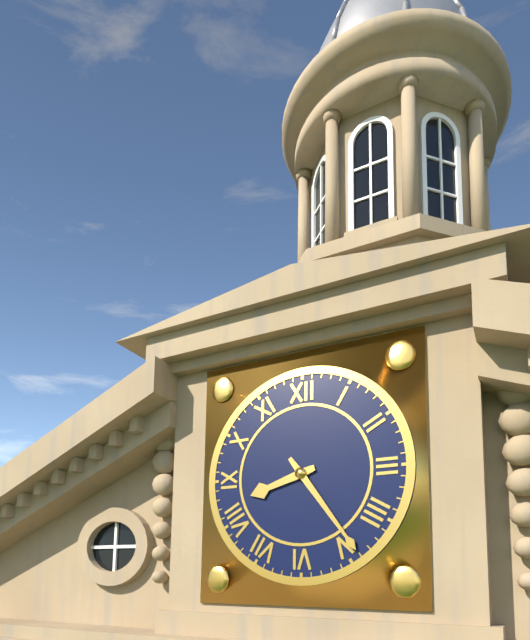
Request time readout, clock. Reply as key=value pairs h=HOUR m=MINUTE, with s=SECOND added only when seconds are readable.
h=8 m=24
